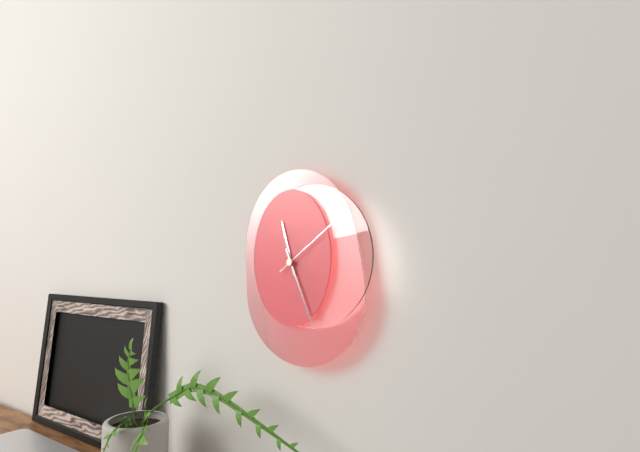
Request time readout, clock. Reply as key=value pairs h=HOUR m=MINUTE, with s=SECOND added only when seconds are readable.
h=11 m=26 s=9
